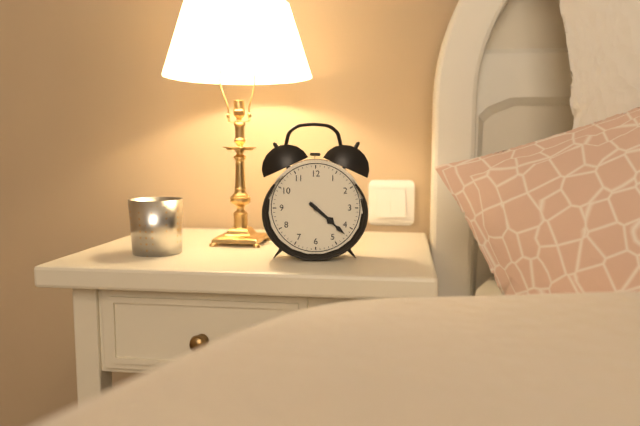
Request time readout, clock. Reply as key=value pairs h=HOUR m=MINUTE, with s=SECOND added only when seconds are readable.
h=4 m=22
